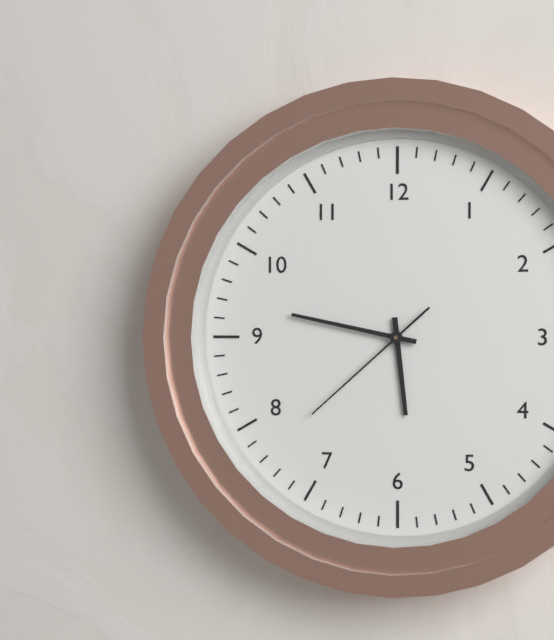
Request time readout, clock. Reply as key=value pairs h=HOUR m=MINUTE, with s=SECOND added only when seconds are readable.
h=5 m=47 s=38
